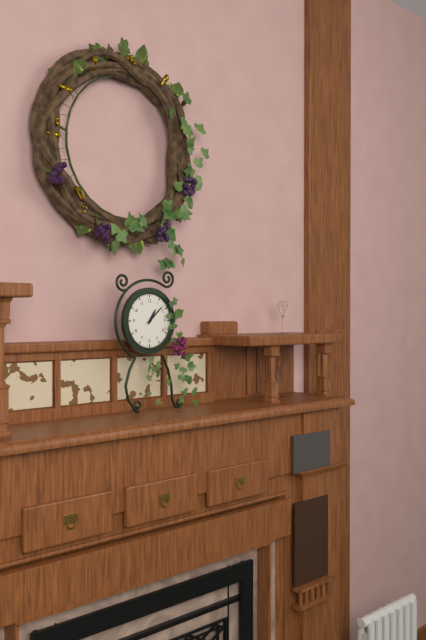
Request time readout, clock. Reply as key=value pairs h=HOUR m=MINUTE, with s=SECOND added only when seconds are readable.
h=1 m=8
